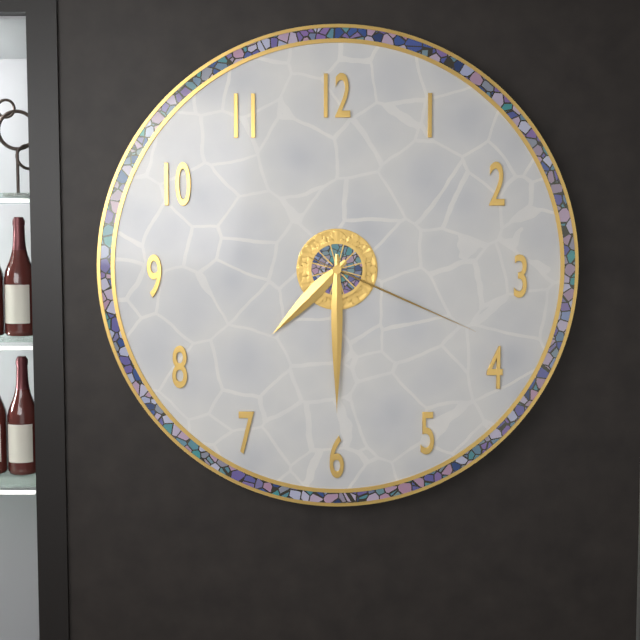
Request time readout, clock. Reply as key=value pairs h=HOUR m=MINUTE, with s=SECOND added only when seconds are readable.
h=7 m=30 s=19
